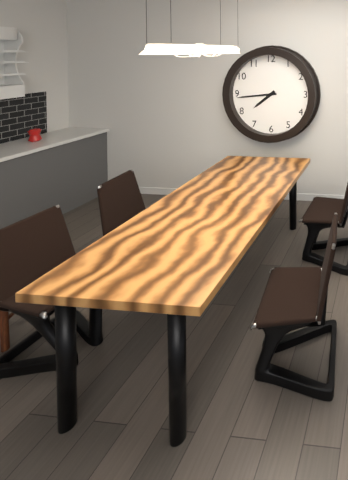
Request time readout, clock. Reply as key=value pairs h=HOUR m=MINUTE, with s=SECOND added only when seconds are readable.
h=7 m=44
